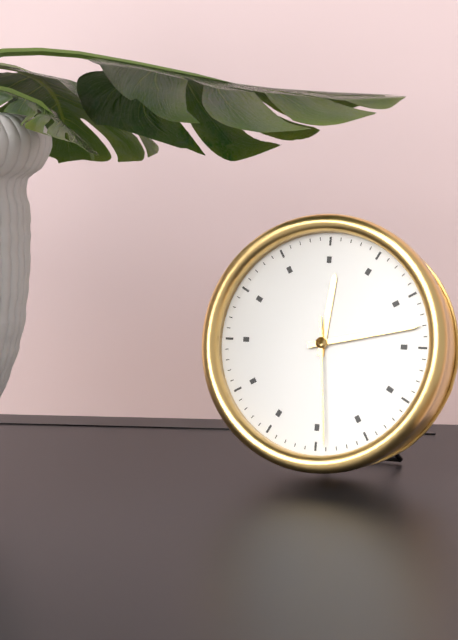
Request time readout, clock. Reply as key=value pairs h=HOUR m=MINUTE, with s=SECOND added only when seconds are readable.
h=12 m=13 s=29
